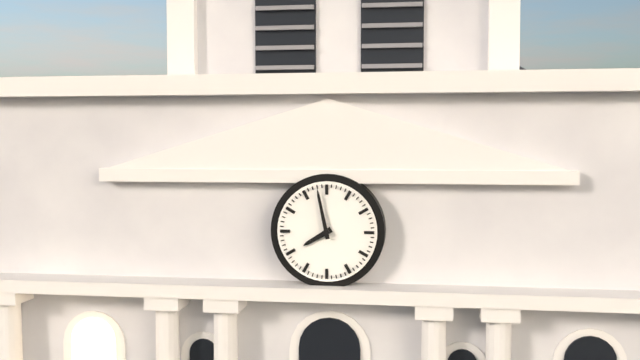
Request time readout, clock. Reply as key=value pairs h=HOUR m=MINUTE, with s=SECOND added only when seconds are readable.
h=7 m=58
